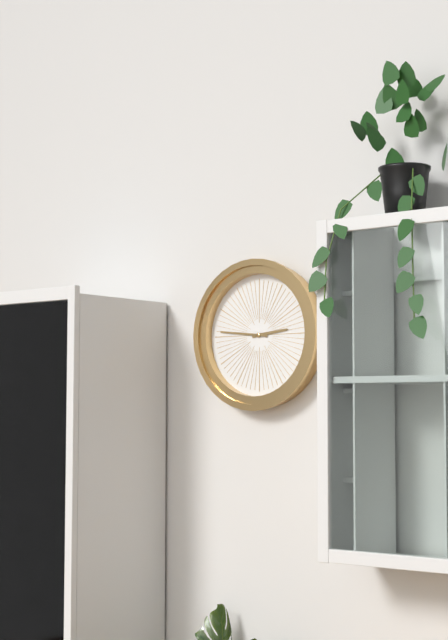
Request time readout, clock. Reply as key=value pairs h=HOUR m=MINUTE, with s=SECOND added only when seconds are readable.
h=2 m=46
